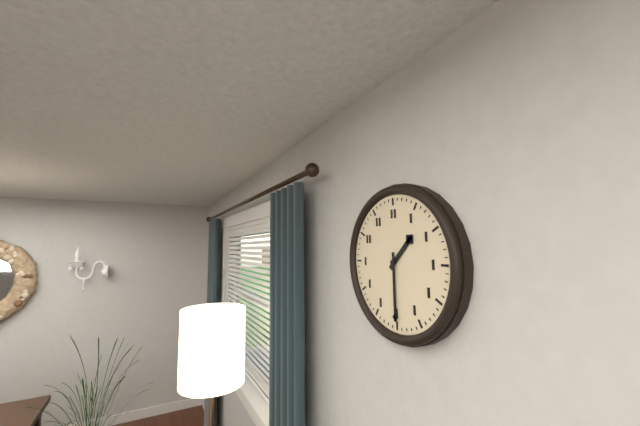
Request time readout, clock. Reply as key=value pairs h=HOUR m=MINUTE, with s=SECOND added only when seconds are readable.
h=1 m=30
